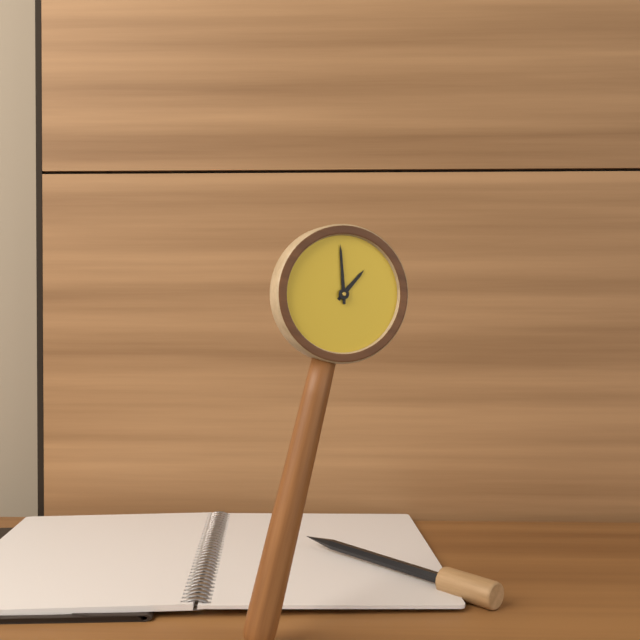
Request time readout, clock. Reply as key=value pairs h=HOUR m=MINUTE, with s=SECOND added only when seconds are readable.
h=12 m=57
